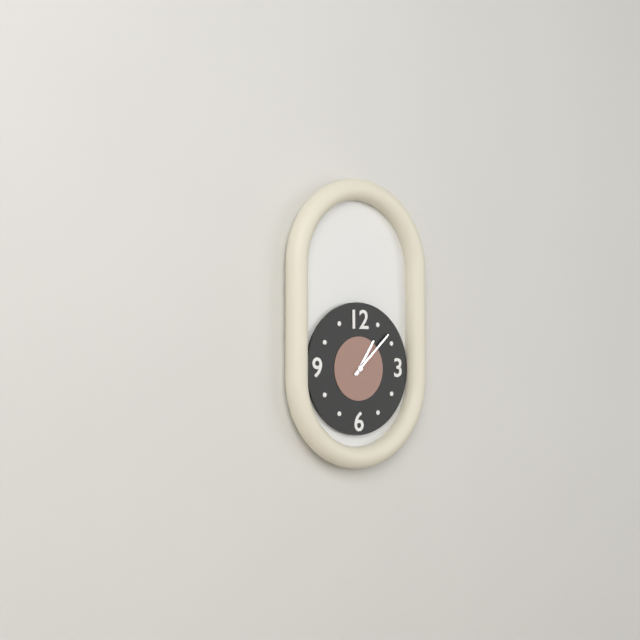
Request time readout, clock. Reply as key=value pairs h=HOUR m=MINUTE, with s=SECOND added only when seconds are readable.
h=1 m=8
